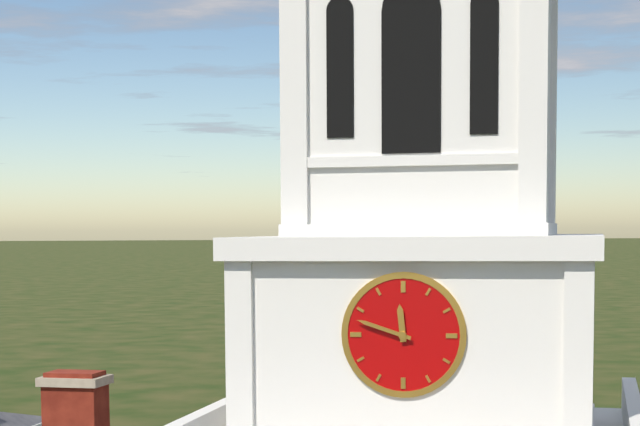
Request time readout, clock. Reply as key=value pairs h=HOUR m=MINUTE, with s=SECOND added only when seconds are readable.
h=11 m=48
